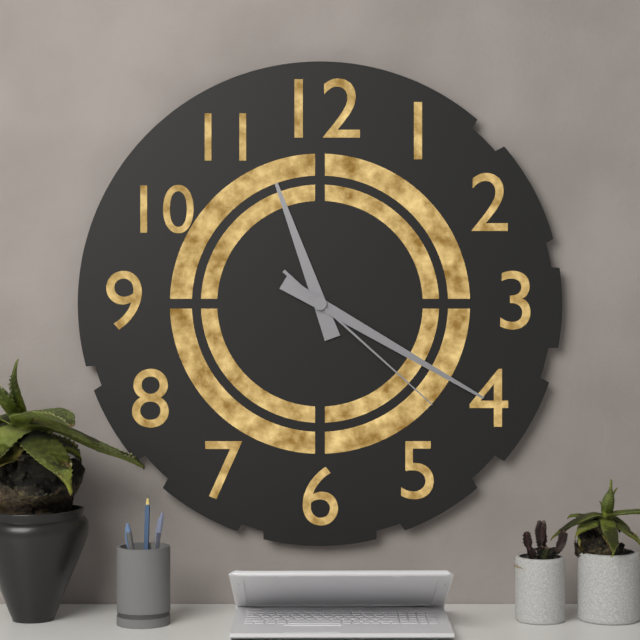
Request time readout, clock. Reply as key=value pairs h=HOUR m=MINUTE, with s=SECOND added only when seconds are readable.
h=11 m=20 s=22
